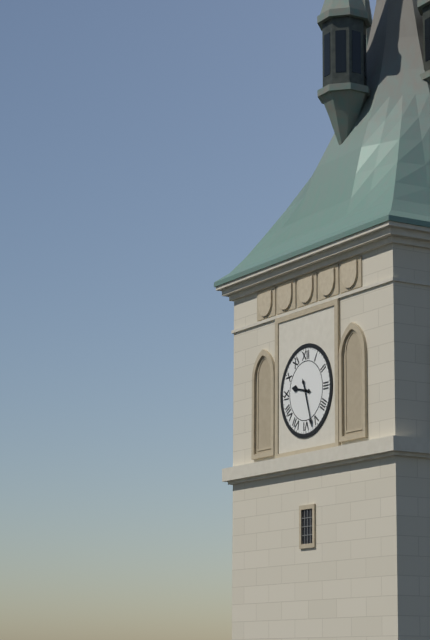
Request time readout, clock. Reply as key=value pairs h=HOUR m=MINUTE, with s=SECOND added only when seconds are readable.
h=9 m=27
